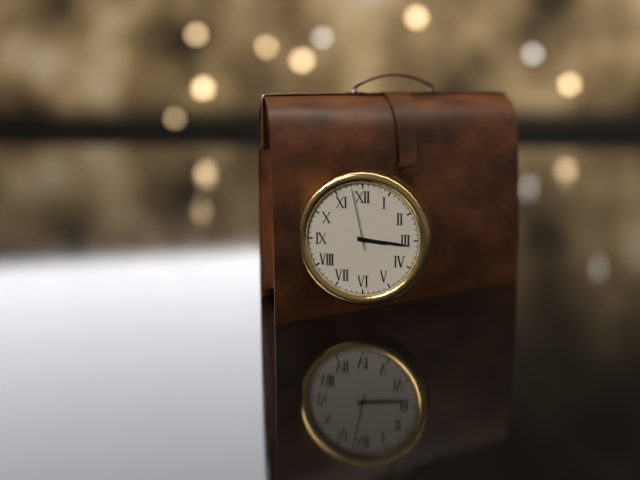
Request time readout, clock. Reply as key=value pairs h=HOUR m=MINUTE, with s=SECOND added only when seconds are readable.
h=3 m=16 s=58
